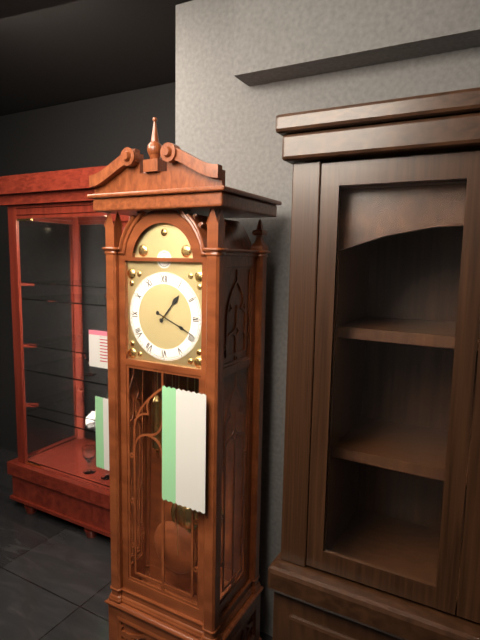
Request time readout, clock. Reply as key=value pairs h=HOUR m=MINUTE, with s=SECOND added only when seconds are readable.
h=1 m=19
